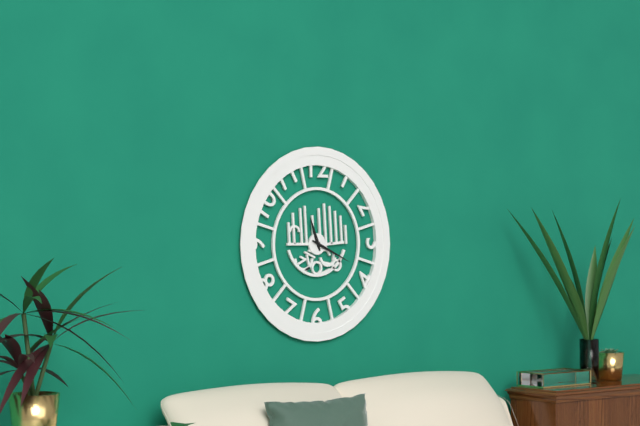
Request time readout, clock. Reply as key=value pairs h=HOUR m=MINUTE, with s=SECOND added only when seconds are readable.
h=11 m=19
